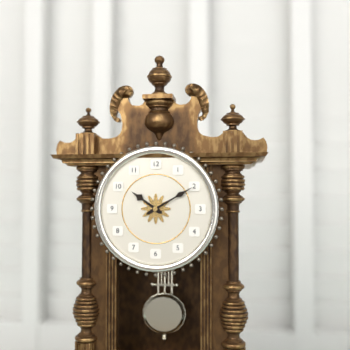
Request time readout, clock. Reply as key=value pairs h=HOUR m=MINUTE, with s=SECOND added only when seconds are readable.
h=10 m=10
